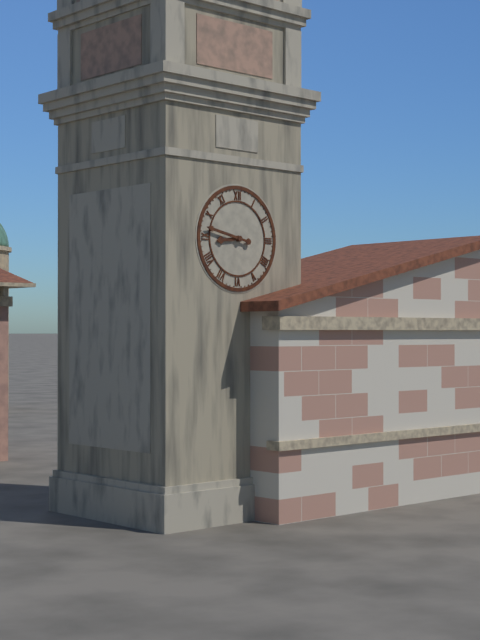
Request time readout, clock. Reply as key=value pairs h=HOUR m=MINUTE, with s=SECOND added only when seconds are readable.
h=8 m=47
